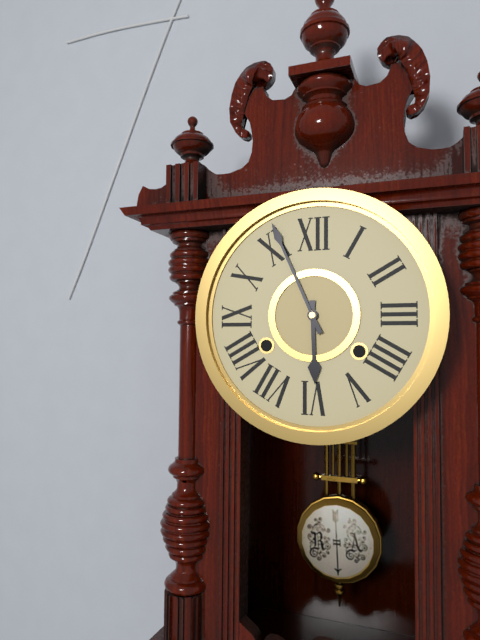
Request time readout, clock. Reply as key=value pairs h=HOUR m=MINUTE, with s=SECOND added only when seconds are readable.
h=5 m=56
